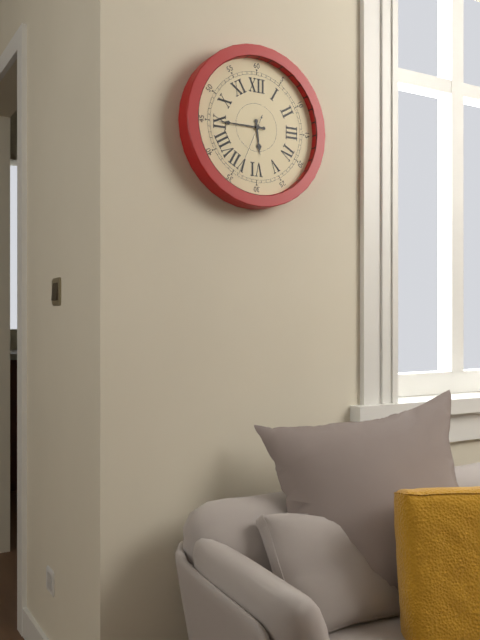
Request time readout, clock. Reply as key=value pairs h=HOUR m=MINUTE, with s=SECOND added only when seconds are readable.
h=5 m=45 s=34
